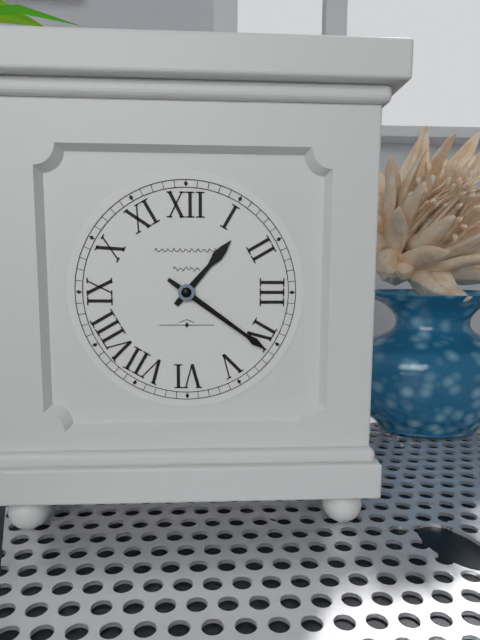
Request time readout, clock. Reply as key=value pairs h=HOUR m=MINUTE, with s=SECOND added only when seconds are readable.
h=1 m=21
